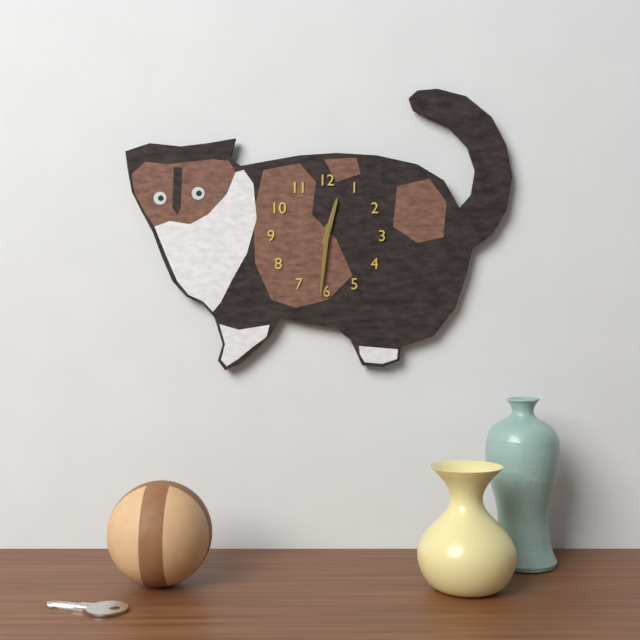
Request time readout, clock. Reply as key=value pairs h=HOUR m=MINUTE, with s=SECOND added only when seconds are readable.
h=12 m=31
